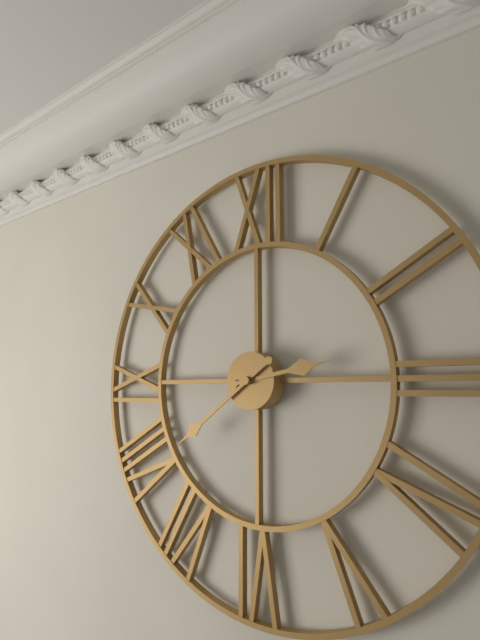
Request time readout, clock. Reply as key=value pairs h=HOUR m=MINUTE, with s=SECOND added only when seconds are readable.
h=2 m=39
